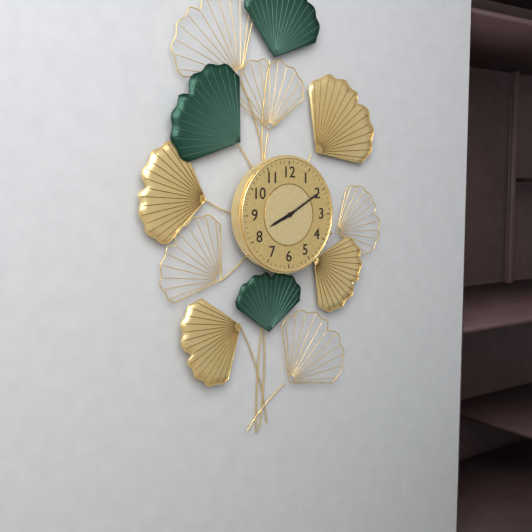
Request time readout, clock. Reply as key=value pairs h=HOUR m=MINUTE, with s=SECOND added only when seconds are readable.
h=8 m=10
